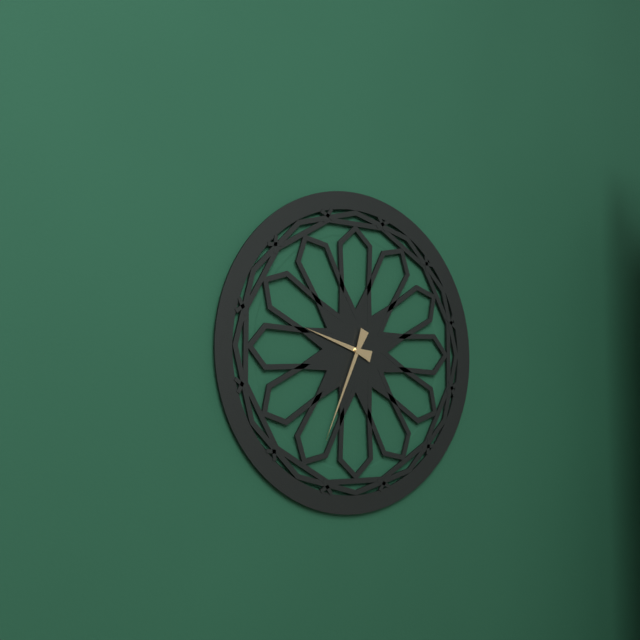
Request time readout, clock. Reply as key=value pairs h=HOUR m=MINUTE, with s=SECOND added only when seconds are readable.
h=9 m=34
